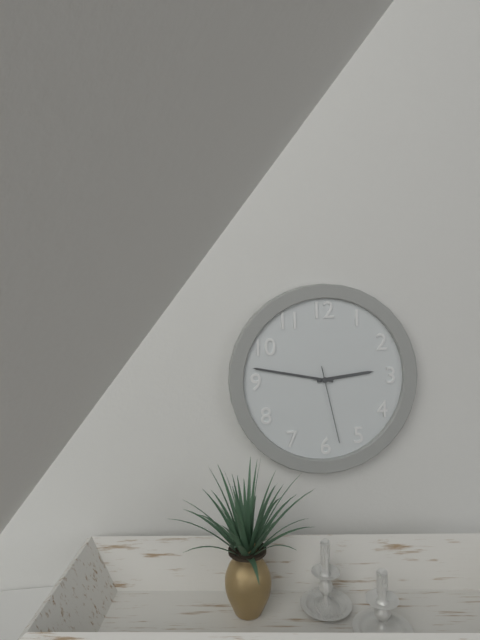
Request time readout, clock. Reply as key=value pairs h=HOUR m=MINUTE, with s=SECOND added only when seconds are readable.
h=2 m=47 s=28
